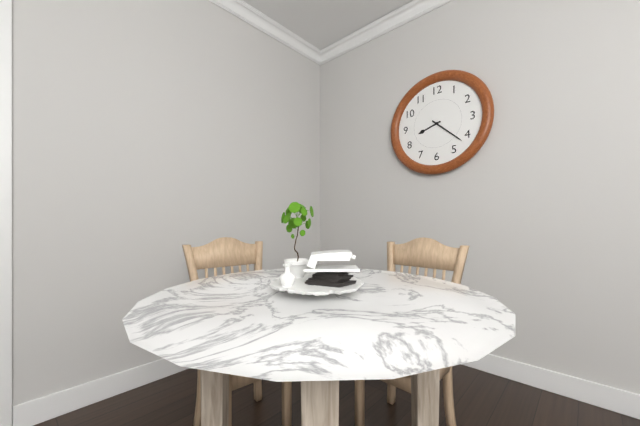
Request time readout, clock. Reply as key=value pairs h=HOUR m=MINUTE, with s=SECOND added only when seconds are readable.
h=8 m=22
